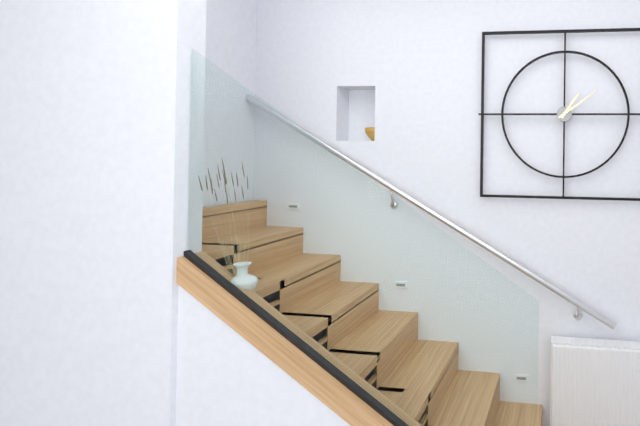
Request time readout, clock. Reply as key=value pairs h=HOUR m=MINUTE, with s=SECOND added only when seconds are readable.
h=1 m=9
